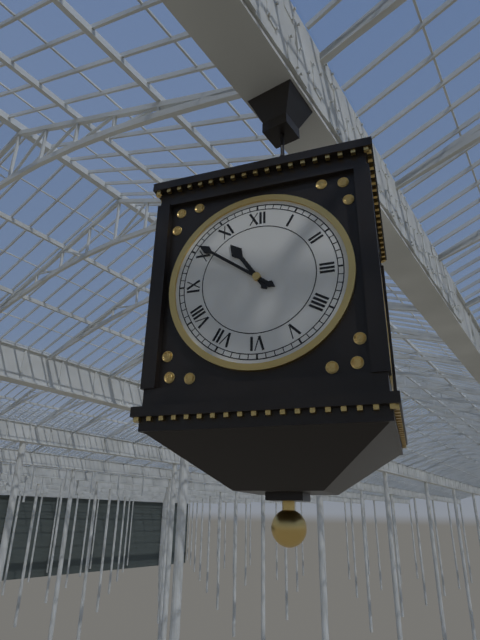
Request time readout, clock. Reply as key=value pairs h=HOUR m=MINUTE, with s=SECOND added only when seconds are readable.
h=10 m=51
